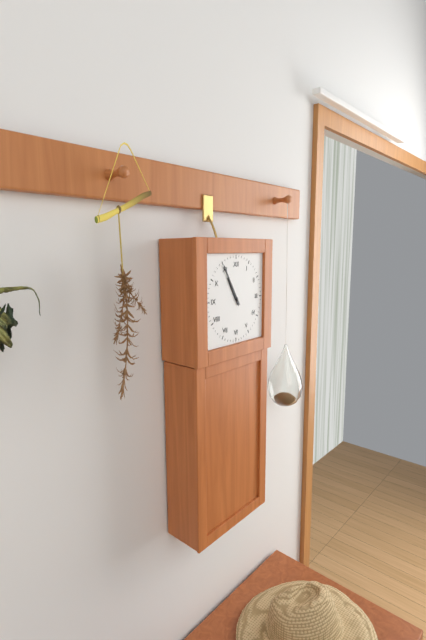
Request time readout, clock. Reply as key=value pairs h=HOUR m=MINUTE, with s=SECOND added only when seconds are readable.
h=10 m=55
